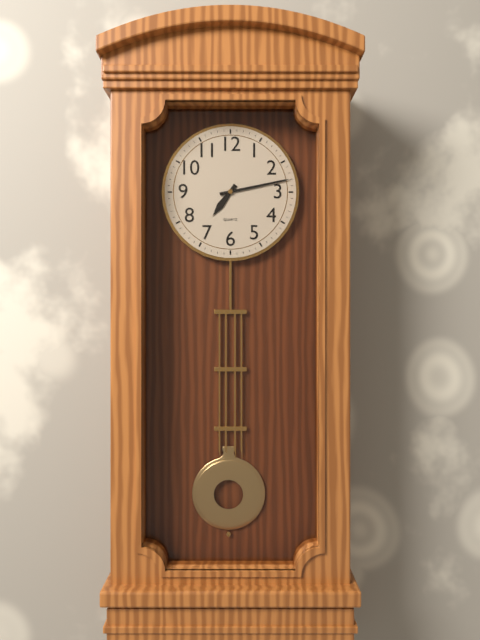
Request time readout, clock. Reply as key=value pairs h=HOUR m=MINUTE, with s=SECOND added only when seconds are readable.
h=7 m=13
